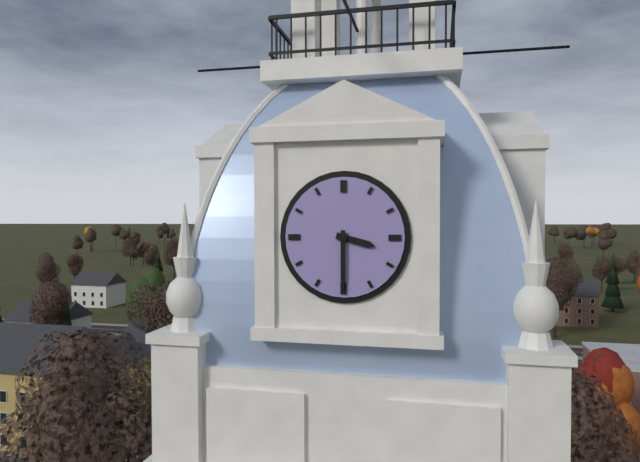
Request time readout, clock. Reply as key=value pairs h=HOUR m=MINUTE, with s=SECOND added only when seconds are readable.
h=3 m=30
